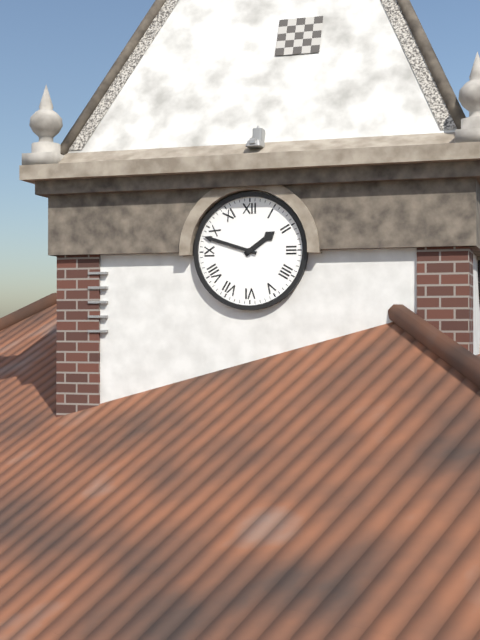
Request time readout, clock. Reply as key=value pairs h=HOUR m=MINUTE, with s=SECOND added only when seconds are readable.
h=1 m=48
